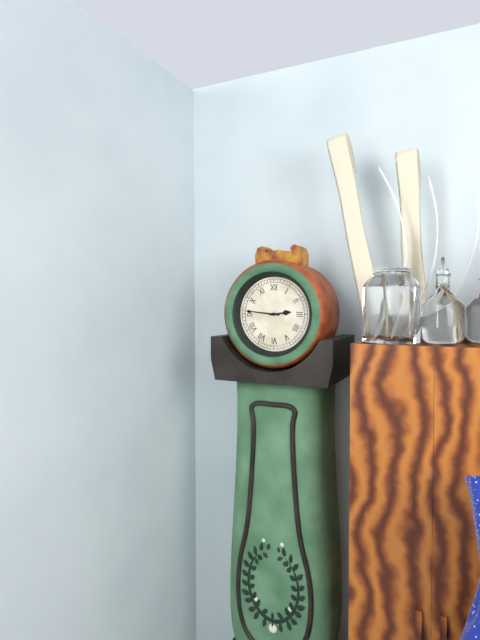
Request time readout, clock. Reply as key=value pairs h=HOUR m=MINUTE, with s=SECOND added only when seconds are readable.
h=2 m=46
